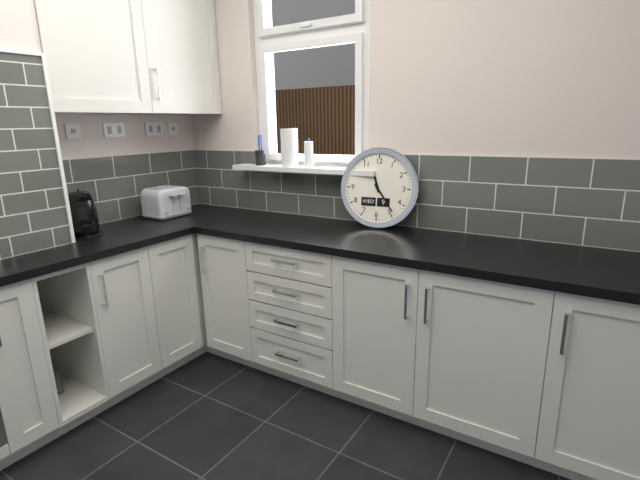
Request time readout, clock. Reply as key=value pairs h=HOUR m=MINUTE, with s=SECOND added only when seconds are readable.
h=11 m=24
